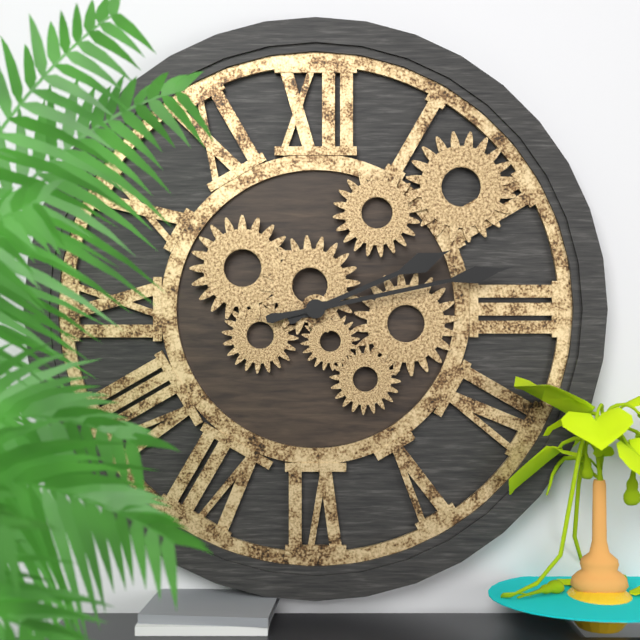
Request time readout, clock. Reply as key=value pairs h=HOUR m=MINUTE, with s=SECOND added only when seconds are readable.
h=2 m=13
